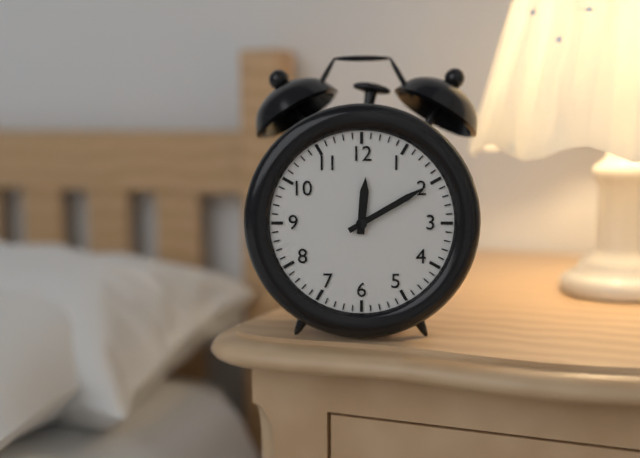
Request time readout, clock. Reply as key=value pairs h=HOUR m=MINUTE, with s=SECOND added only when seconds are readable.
h=12 m=10
